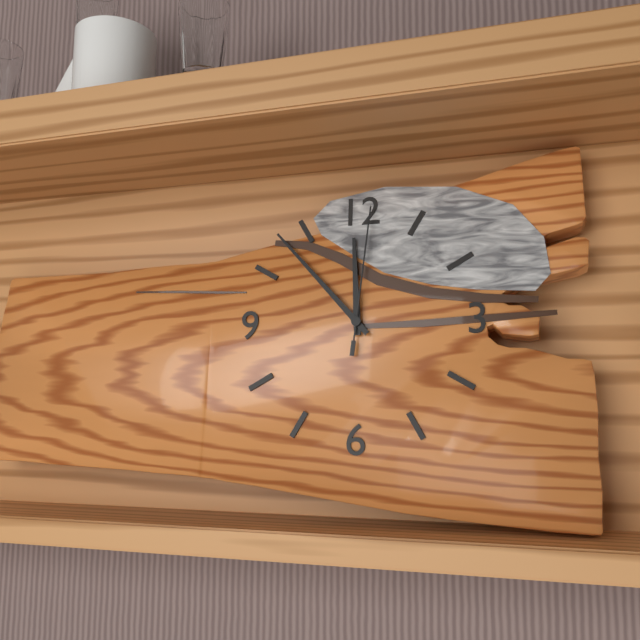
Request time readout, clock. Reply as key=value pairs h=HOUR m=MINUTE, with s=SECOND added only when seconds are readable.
h=11 m=53 s=1
